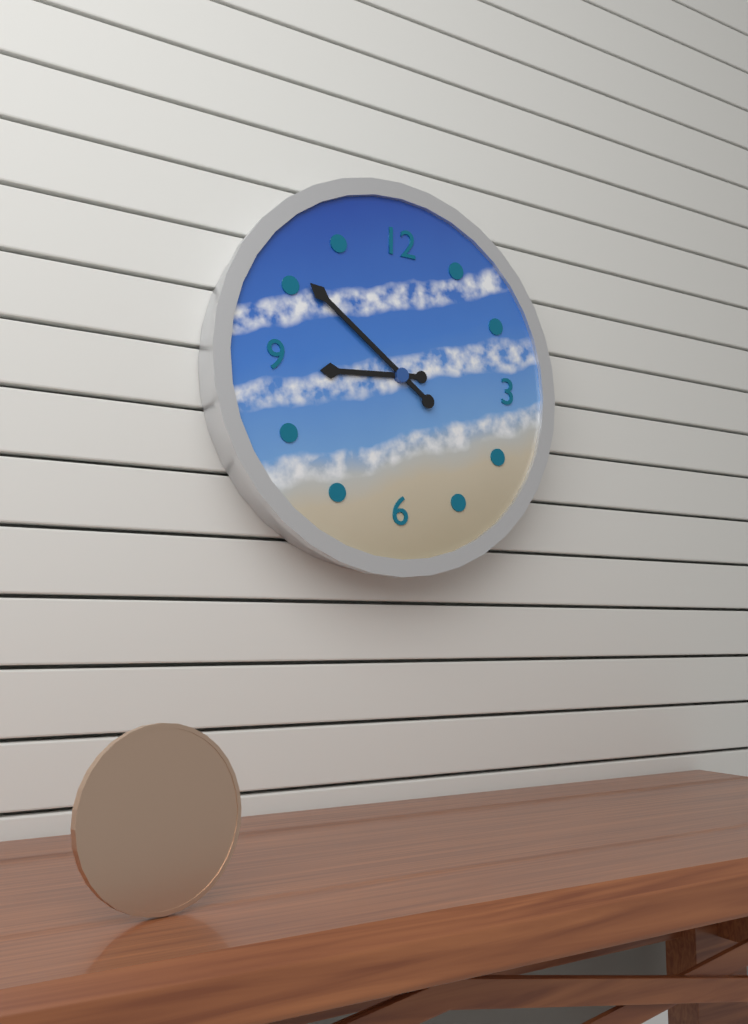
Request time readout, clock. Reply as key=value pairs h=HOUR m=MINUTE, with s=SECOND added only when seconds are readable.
h=8 m=51
